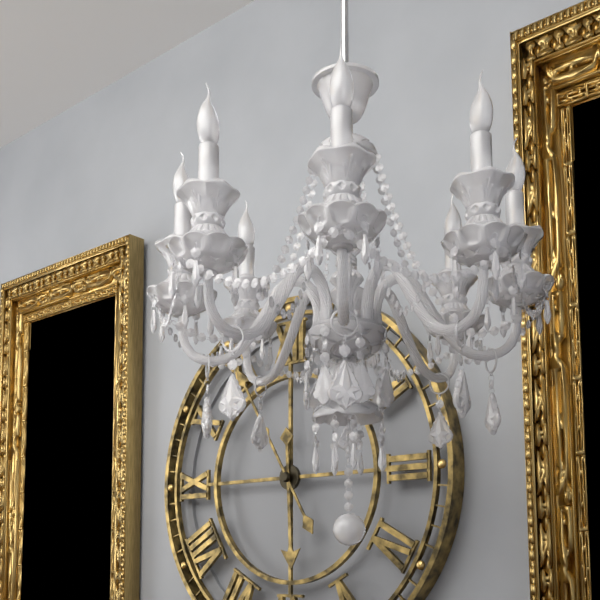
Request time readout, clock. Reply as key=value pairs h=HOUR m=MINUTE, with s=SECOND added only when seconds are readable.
h=5 m=55
